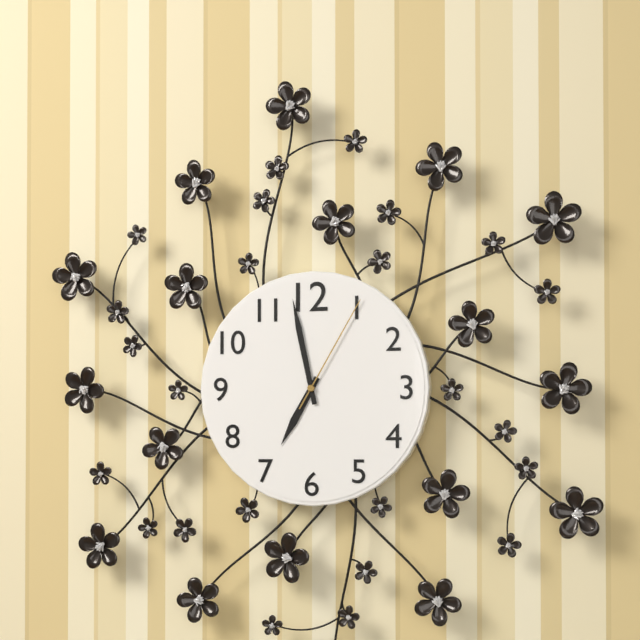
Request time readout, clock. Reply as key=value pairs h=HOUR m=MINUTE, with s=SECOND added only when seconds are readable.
h=6 m=58 s=5
